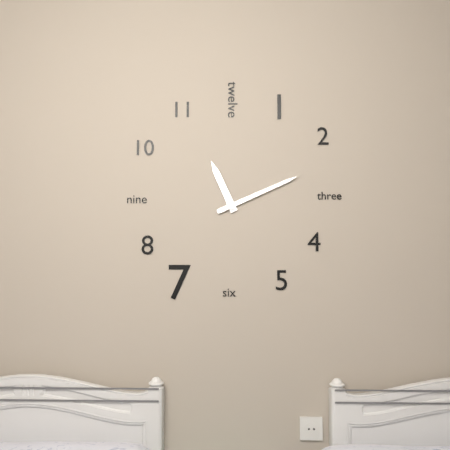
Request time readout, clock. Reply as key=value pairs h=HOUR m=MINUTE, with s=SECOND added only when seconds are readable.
h=11 m=11
